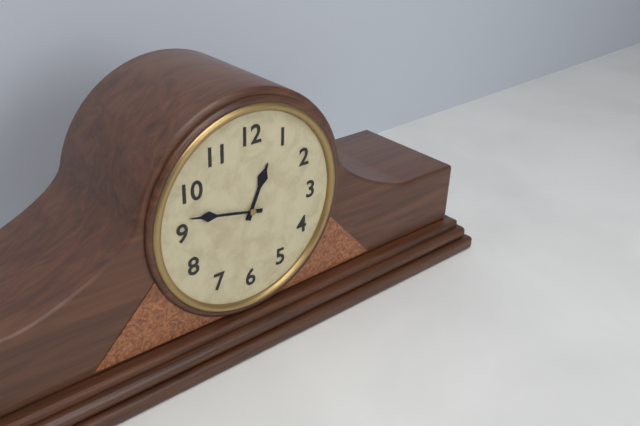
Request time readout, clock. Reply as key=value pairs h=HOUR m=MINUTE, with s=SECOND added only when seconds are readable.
h=12 m=47
